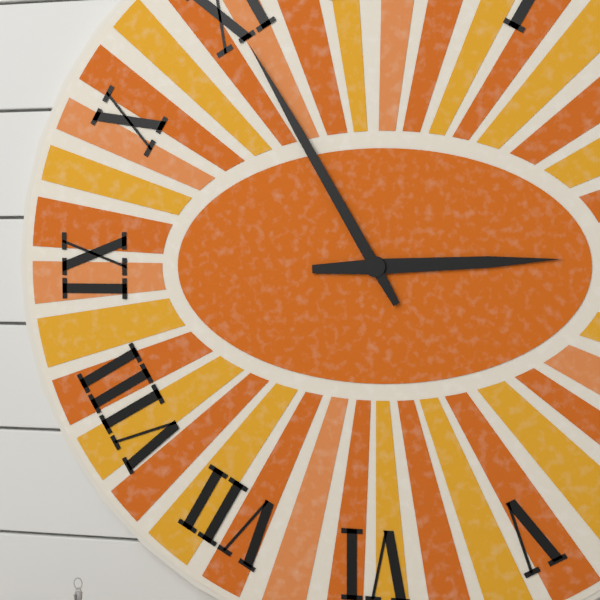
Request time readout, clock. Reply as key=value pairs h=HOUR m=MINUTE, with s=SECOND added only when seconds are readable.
h=2 m=55
